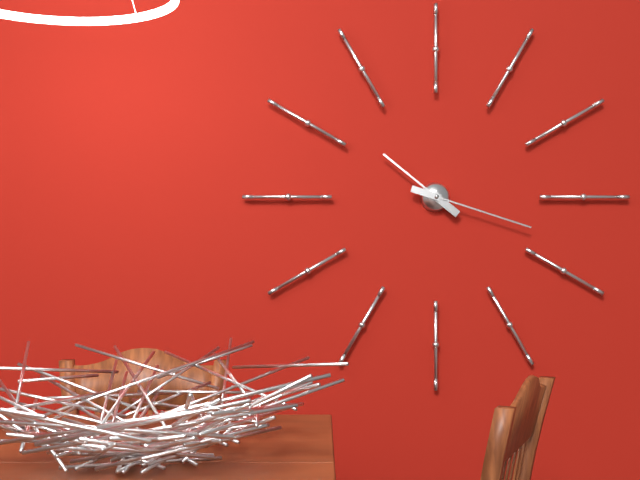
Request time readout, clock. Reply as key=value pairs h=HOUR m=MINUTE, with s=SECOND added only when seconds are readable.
h=10 m=18
